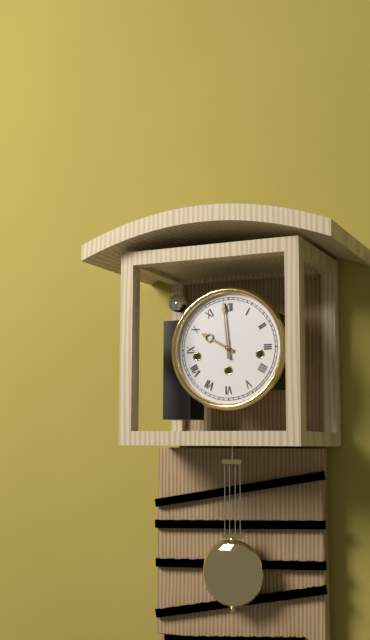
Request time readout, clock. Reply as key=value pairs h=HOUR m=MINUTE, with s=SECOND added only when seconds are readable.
h=9 m=59
